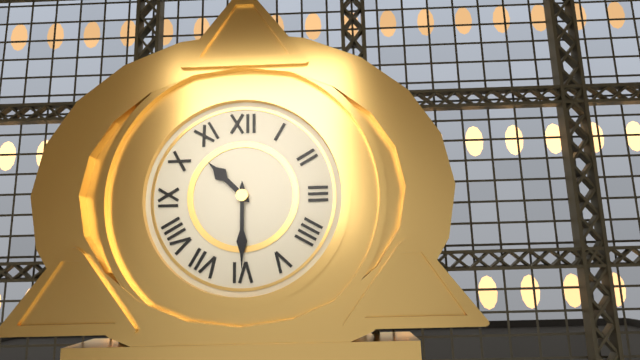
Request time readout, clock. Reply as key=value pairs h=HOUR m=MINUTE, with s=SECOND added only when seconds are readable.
h=10 m=30
